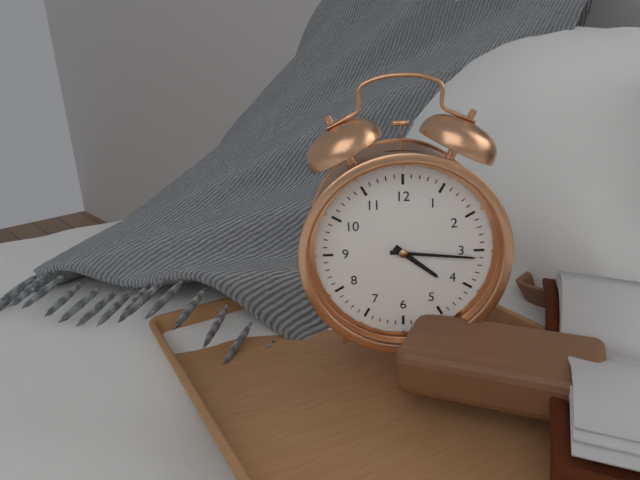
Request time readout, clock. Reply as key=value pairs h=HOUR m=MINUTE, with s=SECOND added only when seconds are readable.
h=4 m=16
